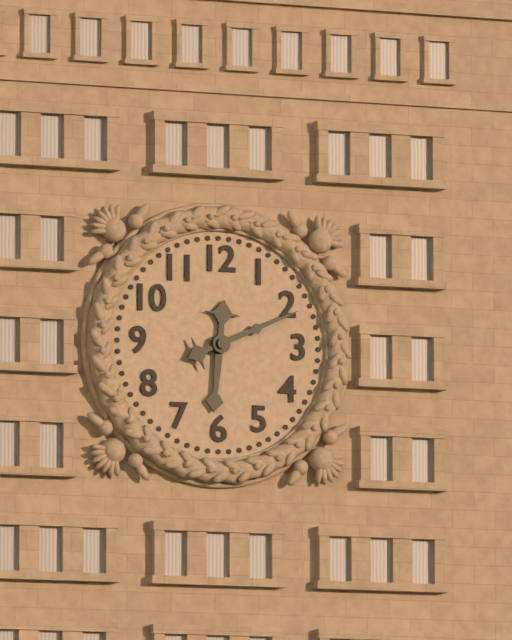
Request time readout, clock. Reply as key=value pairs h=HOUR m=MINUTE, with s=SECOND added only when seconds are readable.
h=6 m=11
